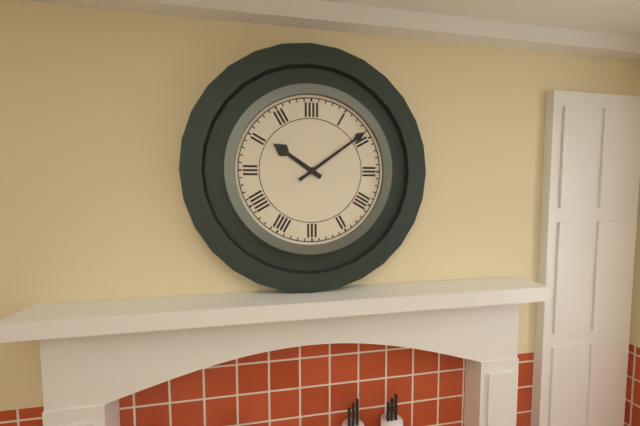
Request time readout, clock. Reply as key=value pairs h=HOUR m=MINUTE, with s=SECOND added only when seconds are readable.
h=10 m=9
